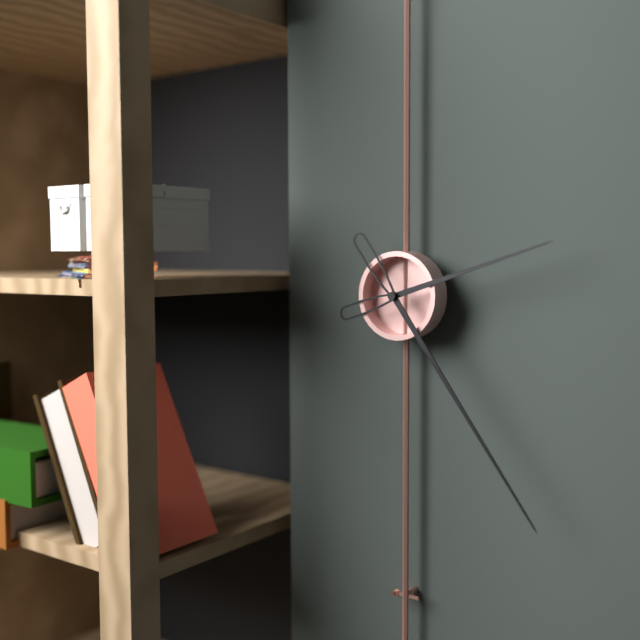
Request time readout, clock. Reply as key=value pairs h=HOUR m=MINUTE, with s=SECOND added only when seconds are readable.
h=2 m=24
